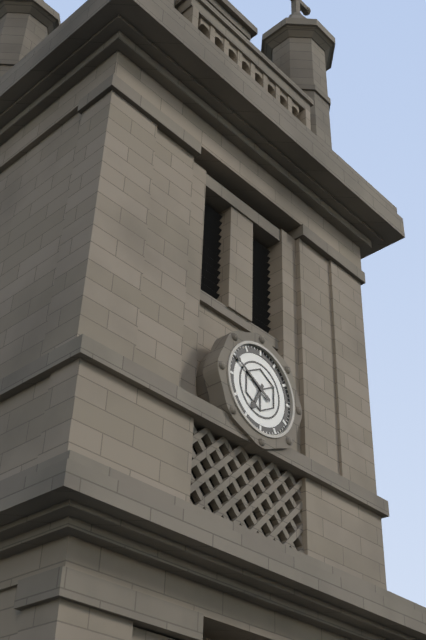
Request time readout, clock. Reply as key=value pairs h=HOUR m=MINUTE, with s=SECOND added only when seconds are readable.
h=6 m=50
